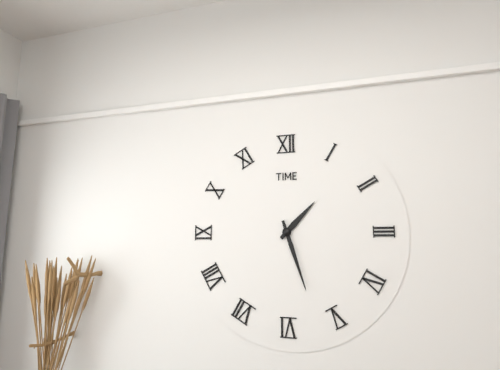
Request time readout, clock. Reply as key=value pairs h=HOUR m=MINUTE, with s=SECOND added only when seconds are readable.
h=1 m=27
